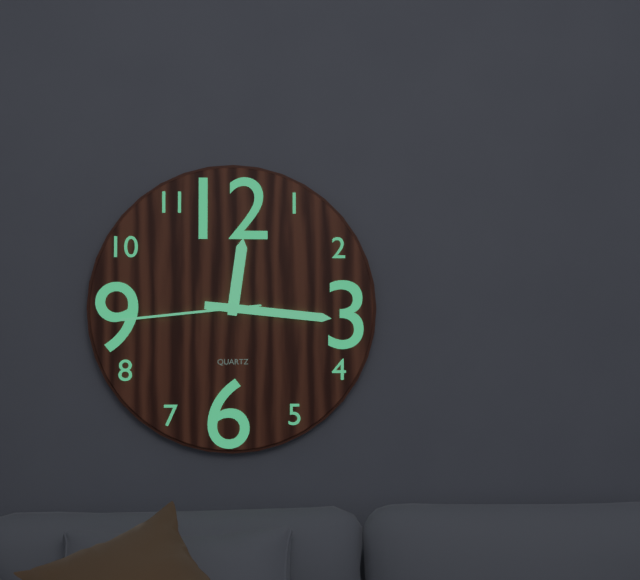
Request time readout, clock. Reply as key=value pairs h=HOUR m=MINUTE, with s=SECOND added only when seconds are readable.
h=12 m=16 s=44
